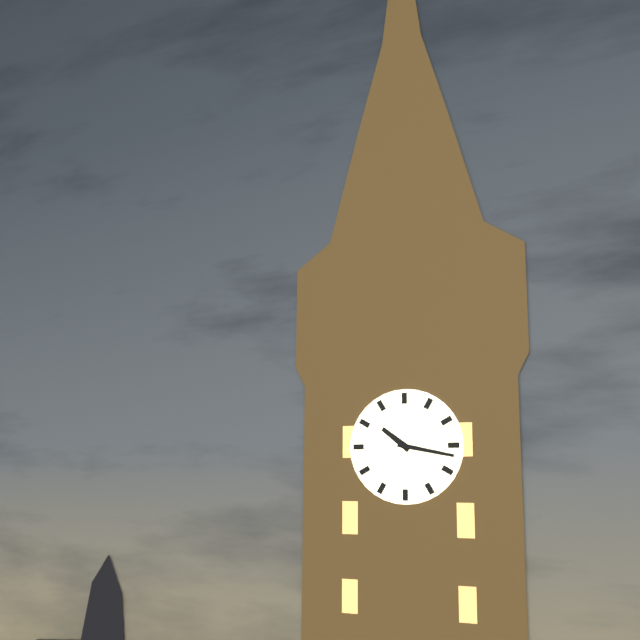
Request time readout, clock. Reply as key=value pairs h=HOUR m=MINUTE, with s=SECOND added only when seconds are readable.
h=10 m=17
